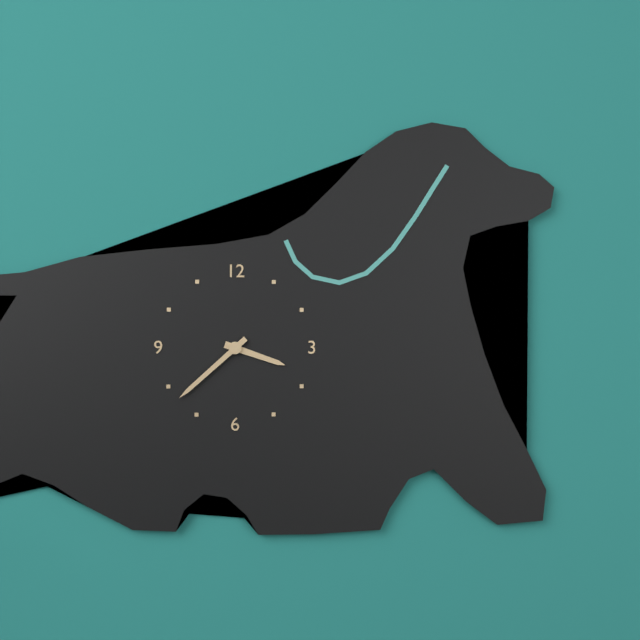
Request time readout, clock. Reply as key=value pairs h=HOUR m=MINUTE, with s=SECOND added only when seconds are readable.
h=3 m=38
